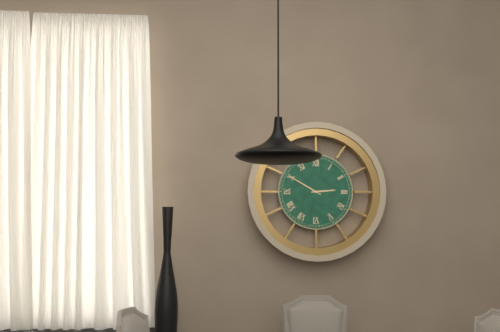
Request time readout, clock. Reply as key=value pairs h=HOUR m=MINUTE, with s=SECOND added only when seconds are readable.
h=2 m=50
